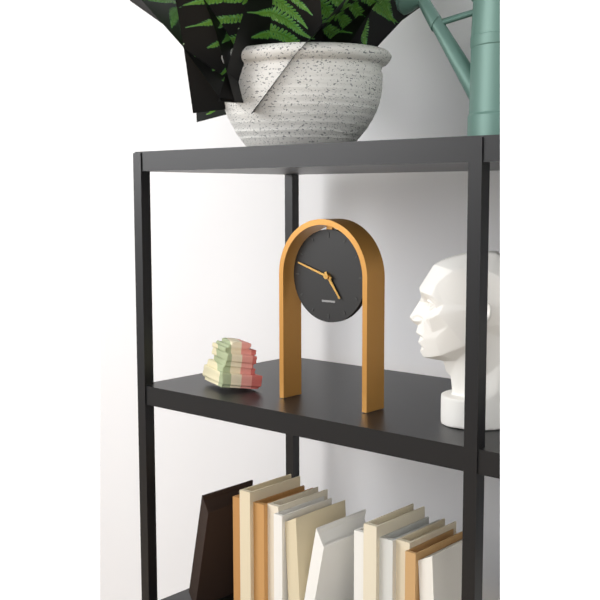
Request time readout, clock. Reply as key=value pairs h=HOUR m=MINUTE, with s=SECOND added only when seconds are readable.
h=4 m=48
